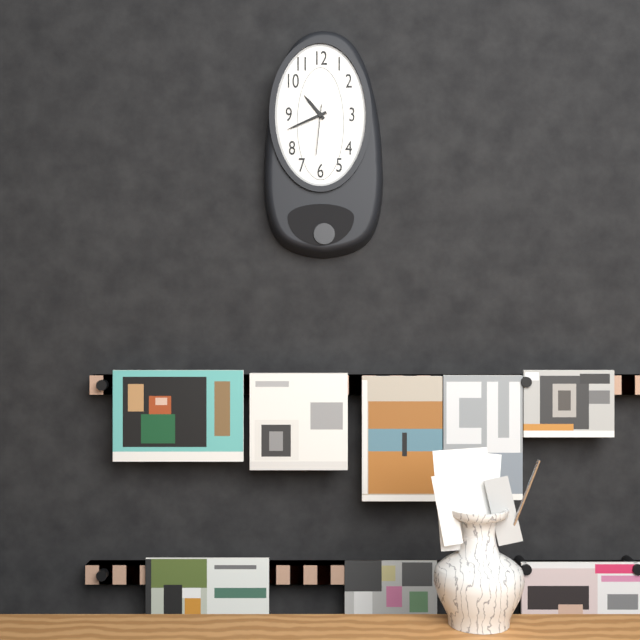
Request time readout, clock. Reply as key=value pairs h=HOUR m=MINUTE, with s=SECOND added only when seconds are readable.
h=10 m=41 s=31
